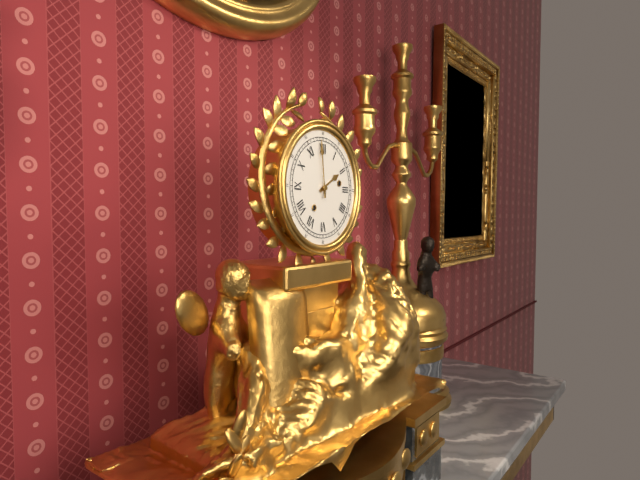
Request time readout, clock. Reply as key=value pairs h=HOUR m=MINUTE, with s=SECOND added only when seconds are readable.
h=1 m=59
